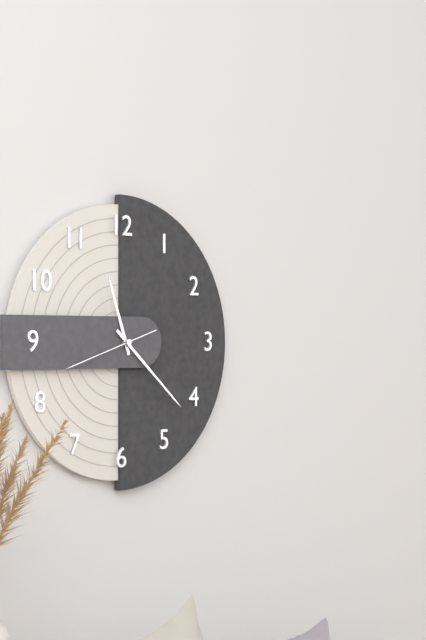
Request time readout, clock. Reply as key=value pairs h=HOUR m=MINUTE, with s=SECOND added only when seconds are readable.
h=11 m=22 s=42
